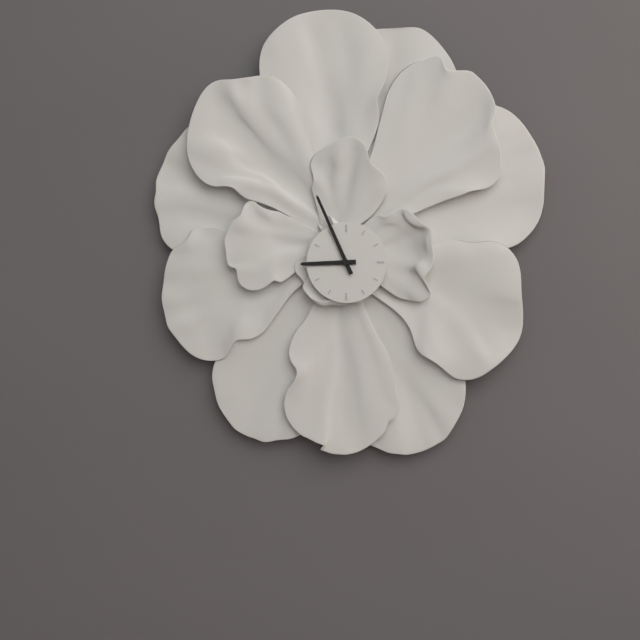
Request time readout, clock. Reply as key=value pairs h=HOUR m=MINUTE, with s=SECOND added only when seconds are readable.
h=8 m=56
